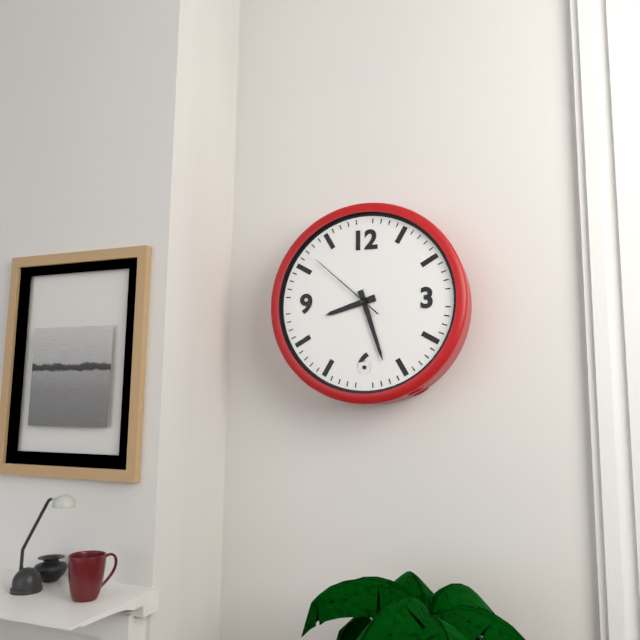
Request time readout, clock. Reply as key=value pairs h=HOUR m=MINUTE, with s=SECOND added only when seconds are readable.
h=8 m=27 s=52
